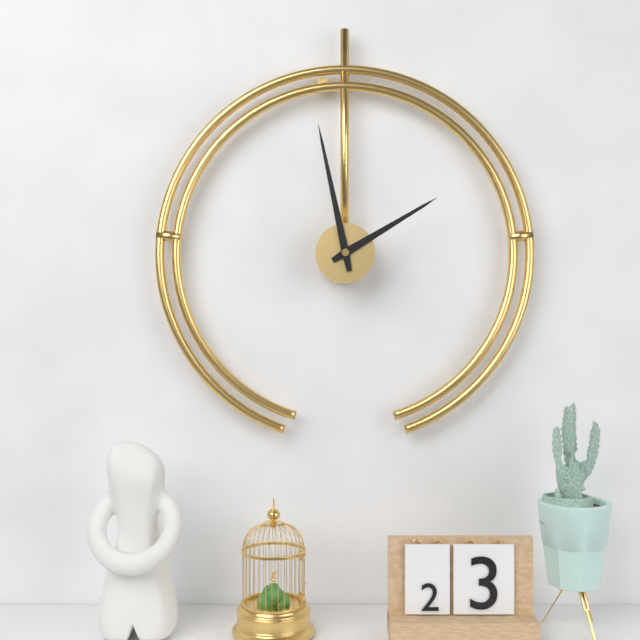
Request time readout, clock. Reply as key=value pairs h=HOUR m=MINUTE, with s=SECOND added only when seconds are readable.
h=1 m=58
